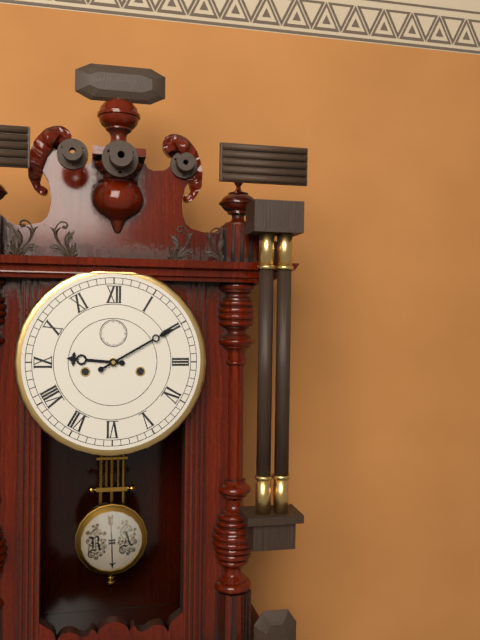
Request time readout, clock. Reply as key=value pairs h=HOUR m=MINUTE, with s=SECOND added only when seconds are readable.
h=9 m=10
